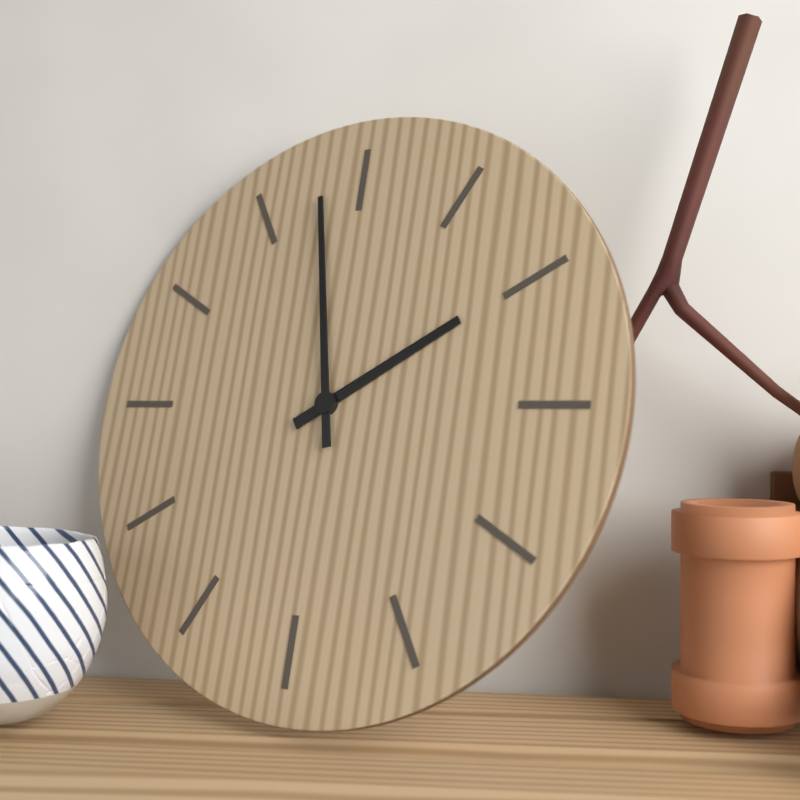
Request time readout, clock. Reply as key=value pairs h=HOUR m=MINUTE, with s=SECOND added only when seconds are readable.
h=1 m=58
